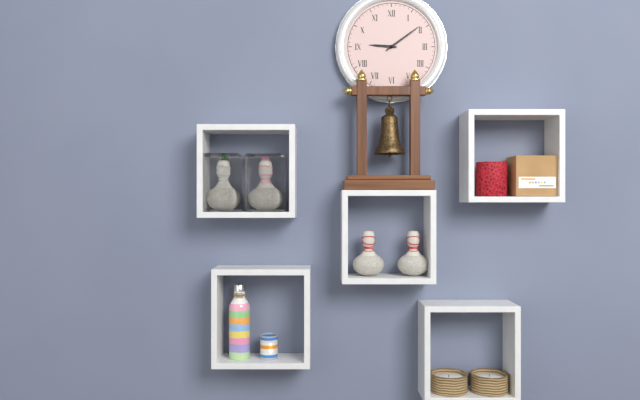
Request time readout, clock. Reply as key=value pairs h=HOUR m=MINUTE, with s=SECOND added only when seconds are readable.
h=9 m=9
